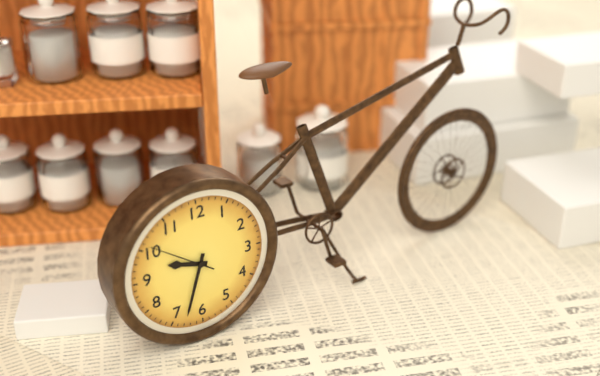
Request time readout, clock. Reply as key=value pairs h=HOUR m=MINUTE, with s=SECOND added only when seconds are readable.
h=9 m=33 s=51
